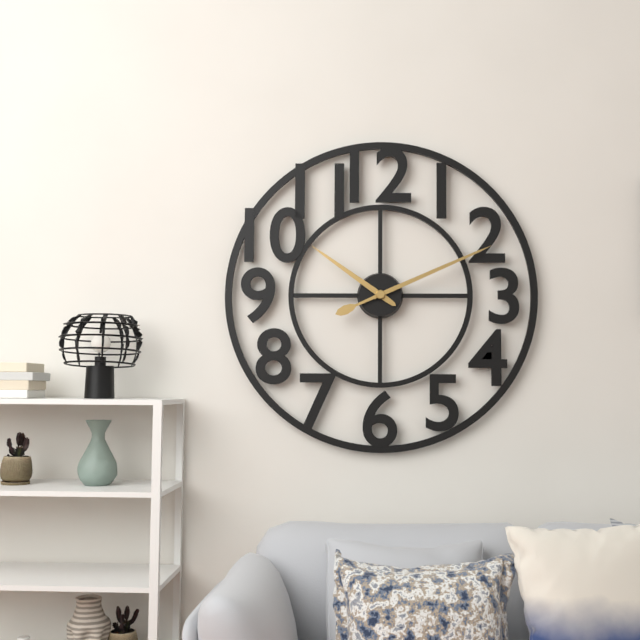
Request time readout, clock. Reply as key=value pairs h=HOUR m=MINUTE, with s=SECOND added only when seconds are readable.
h=10 m=11
